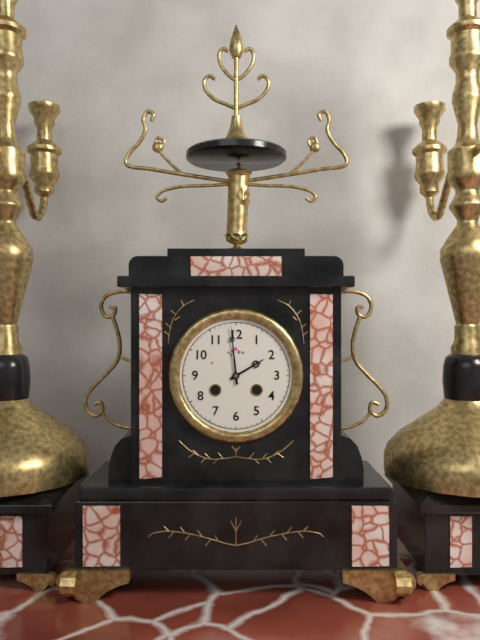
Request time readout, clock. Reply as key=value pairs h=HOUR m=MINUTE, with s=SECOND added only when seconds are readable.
h=1 m=59
